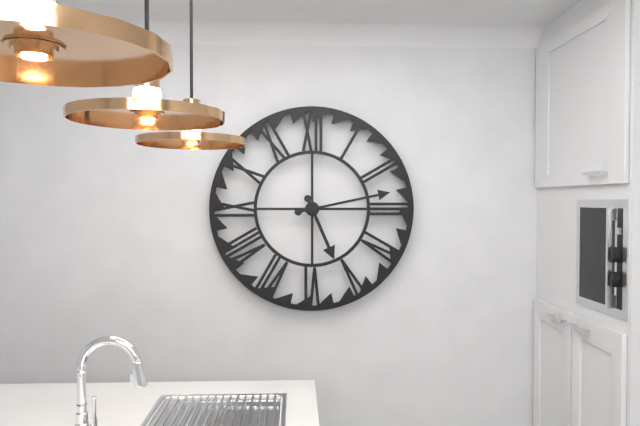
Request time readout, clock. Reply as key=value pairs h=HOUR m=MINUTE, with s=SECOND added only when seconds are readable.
h=5 m=13
